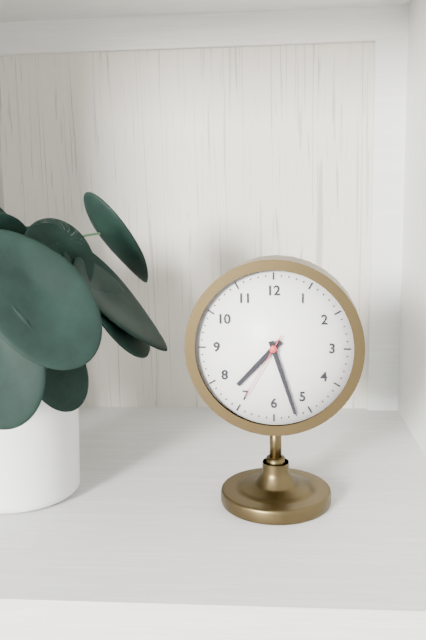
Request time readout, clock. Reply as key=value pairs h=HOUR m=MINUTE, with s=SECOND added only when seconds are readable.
h=7 m=27 s=35
